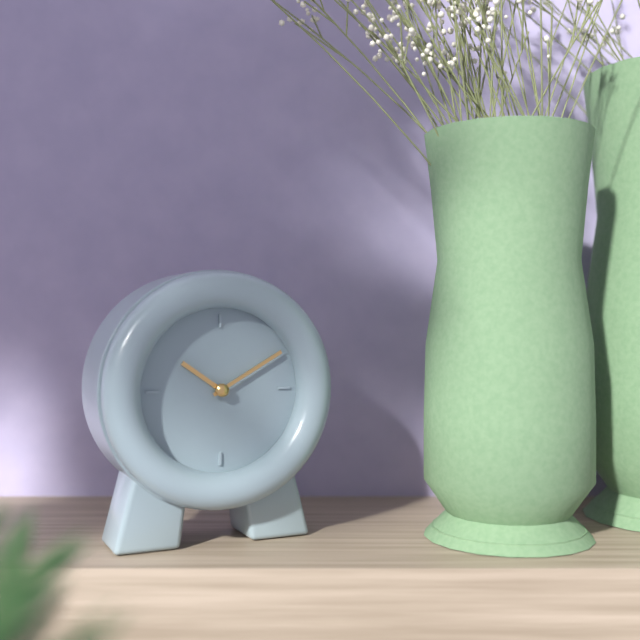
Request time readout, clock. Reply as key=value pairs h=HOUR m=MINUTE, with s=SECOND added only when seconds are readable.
h=10 m=10
